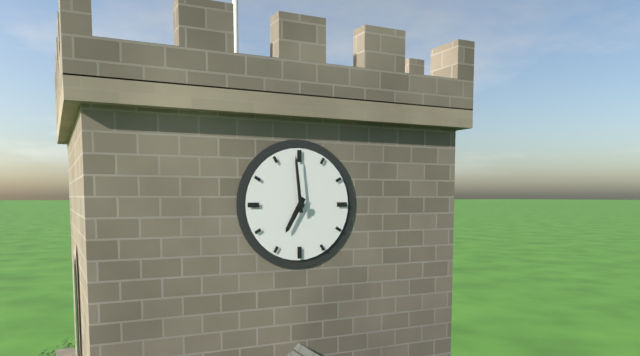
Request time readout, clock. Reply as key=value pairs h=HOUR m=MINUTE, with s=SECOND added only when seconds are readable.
h=6 m=59
